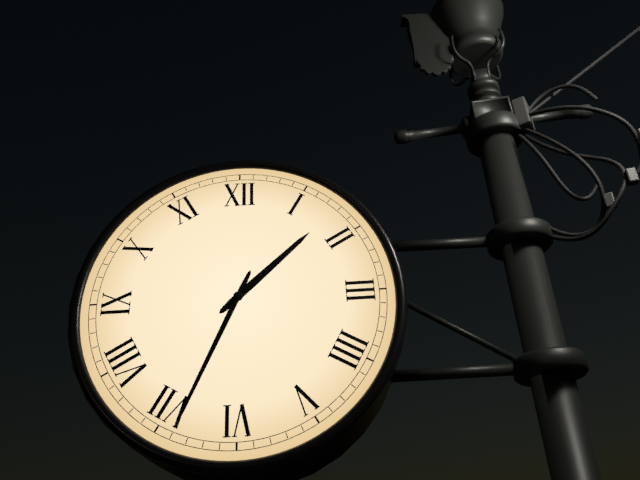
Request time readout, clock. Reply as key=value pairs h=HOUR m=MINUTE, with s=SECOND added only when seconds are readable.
h=1 m=34
